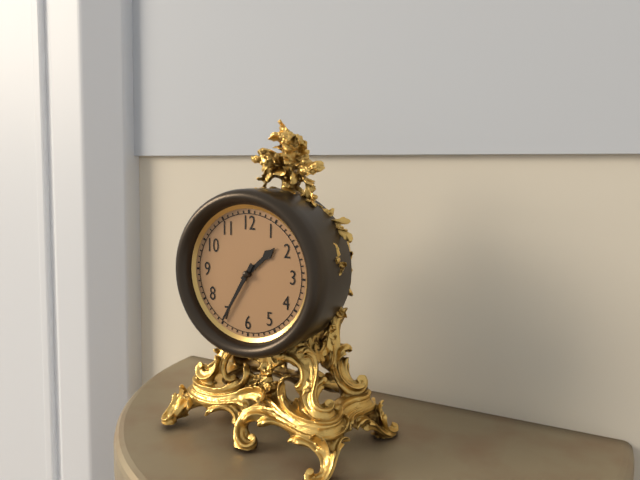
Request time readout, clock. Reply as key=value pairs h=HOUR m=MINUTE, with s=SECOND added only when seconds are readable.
h=1 m=35
